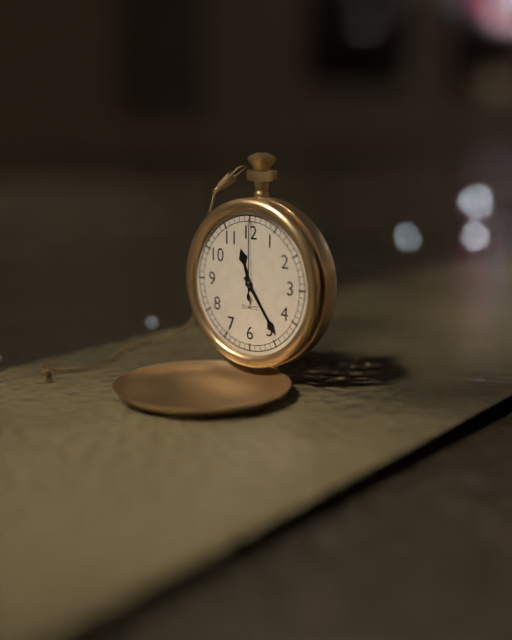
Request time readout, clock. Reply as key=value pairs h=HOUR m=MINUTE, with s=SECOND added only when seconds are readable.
h=11 m=24 s=0
